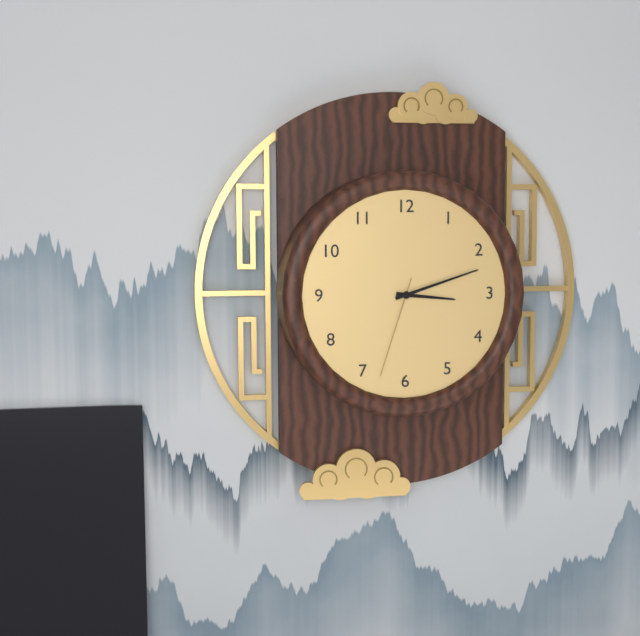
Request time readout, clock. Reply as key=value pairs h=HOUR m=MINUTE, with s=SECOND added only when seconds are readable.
h=3 m=12 s=33
